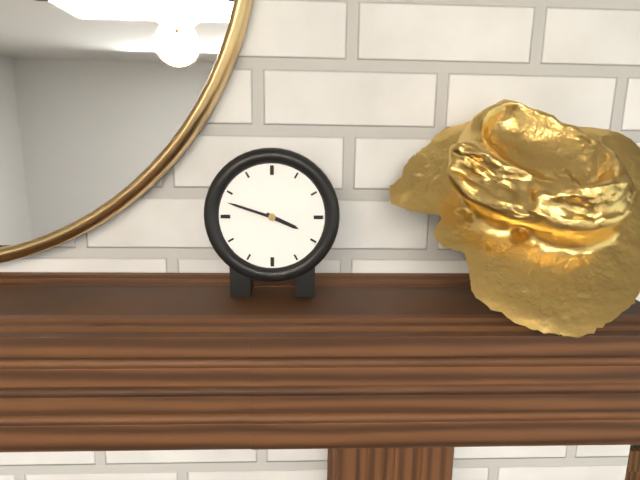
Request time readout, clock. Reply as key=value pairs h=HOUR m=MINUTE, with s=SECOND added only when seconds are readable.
h=3 m=48
